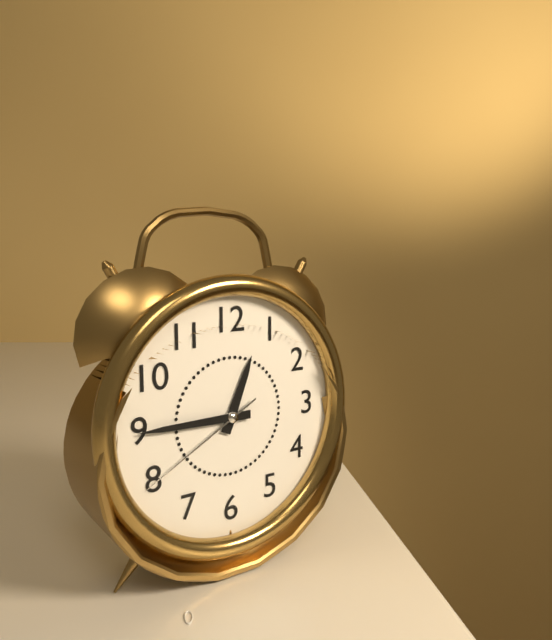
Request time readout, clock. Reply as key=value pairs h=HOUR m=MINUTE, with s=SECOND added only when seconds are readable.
h=12 m=45 s=40
